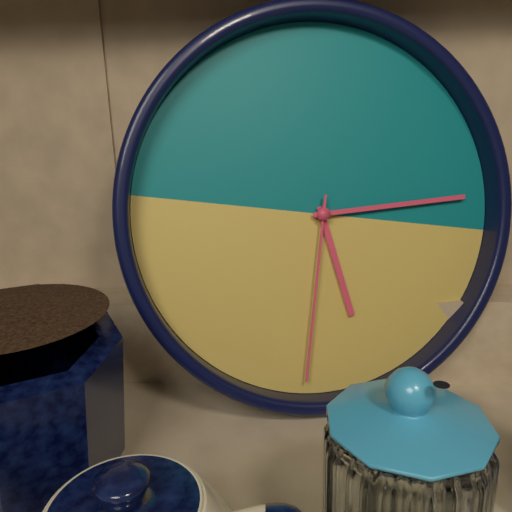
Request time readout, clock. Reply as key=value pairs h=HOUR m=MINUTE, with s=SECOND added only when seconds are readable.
h=5 m=13 s=30
